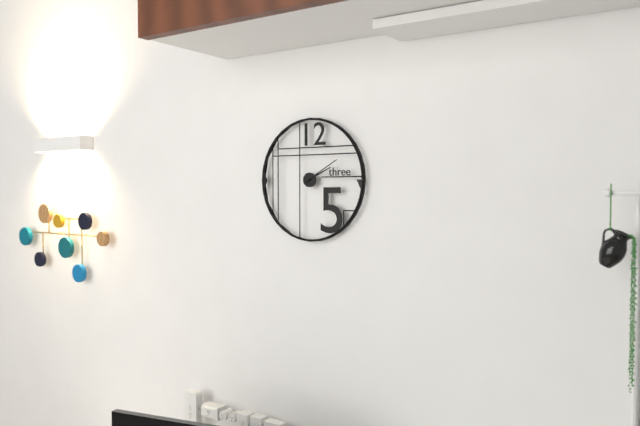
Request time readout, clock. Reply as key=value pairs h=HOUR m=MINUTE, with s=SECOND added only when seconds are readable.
h=2 m=10
